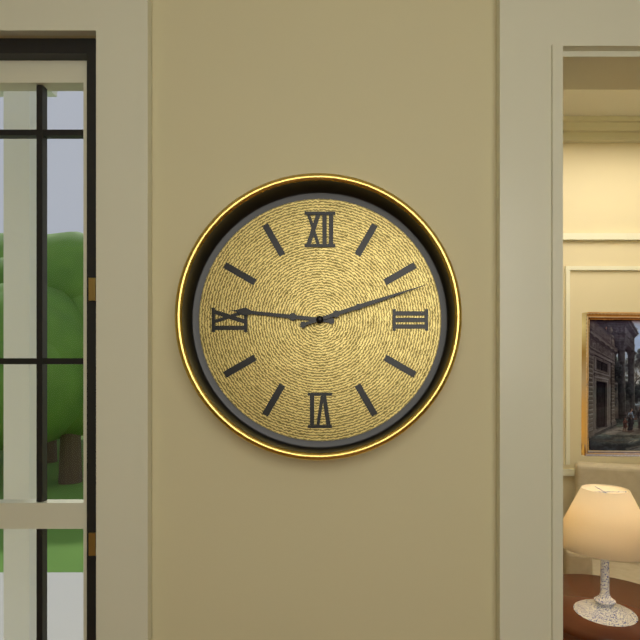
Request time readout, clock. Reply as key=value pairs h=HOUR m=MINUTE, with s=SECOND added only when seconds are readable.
h=9 m=12
